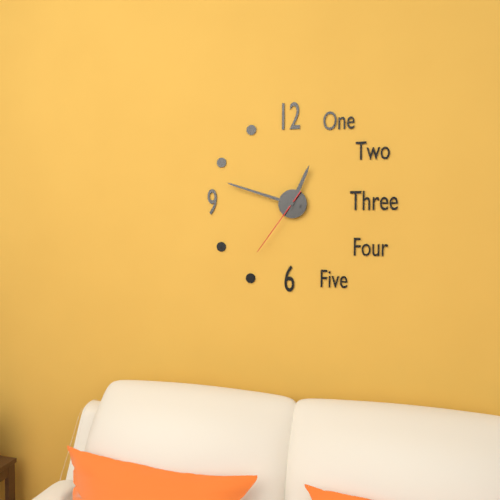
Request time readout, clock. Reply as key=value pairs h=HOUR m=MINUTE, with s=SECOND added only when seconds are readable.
h=12 m=48 s=36
